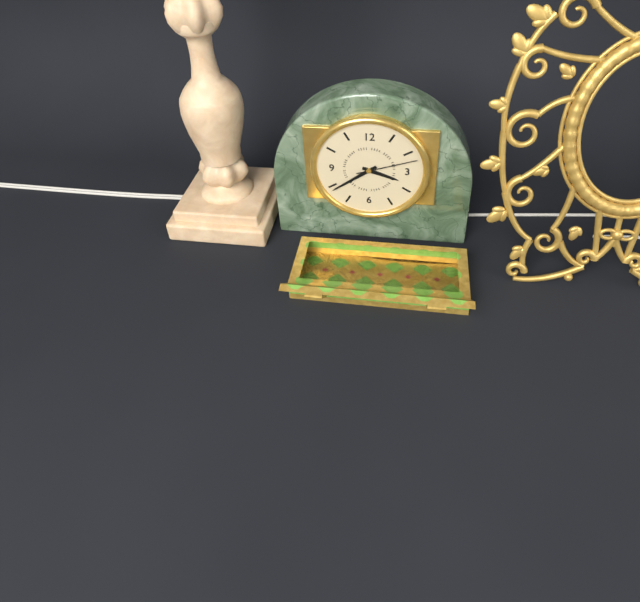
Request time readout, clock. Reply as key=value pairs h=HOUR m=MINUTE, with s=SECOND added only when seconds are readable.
h=3 m=39 s=12
